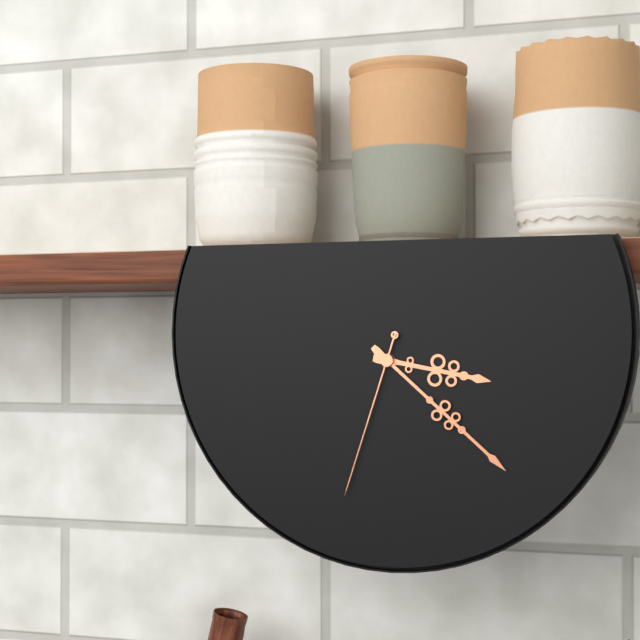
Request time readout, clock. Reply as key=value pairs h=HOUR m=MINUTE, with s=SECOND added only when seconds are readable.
h=3 m=22 s=33
